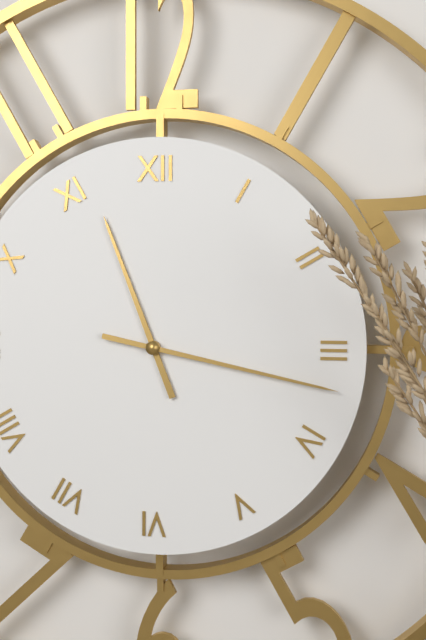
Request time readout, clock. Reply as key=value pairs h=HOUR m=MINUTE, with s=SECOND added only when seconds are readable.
h=11 m=17
